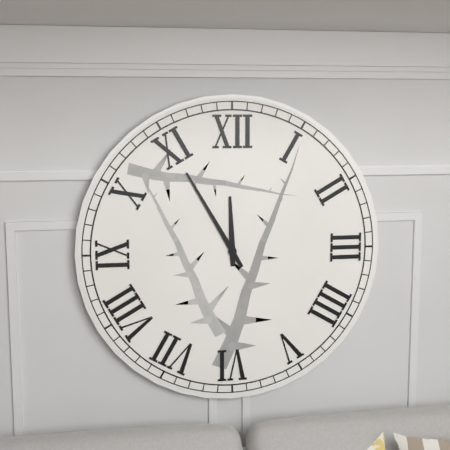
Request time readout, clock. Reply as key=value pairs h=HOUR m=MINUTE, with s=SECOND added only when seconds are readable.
h=11 m=55
